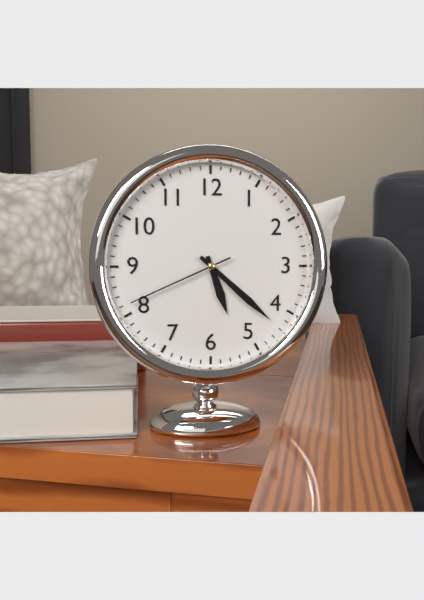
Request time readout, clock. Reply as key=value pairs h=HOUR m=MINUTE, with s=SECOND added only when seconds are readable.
h=5 m=22 s=41
